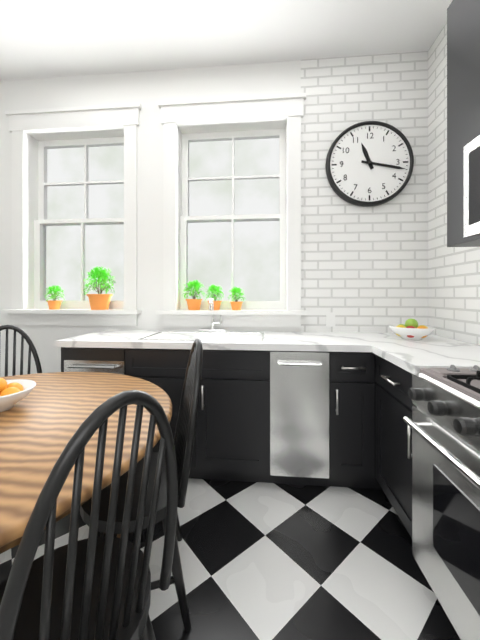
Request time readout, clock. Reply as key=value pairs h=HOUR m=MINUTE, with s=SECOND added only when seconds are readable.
h=11 m=17
